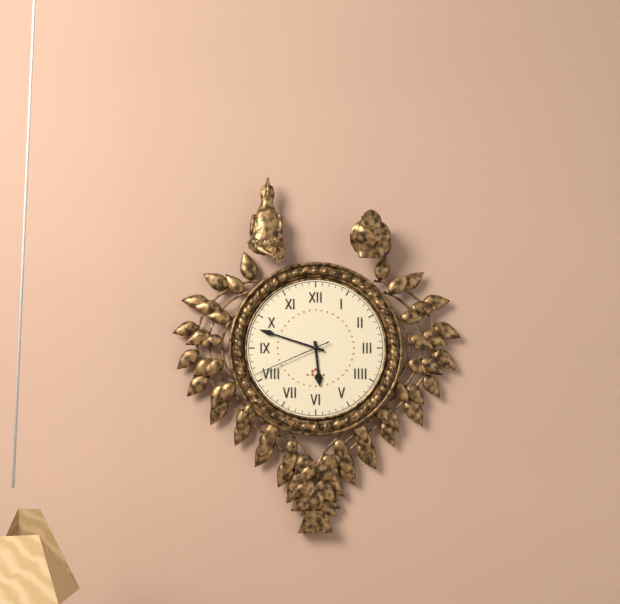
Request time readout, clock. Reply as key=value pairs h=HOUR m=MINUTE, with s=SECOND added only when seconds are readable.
h=5 m=48 s=41
